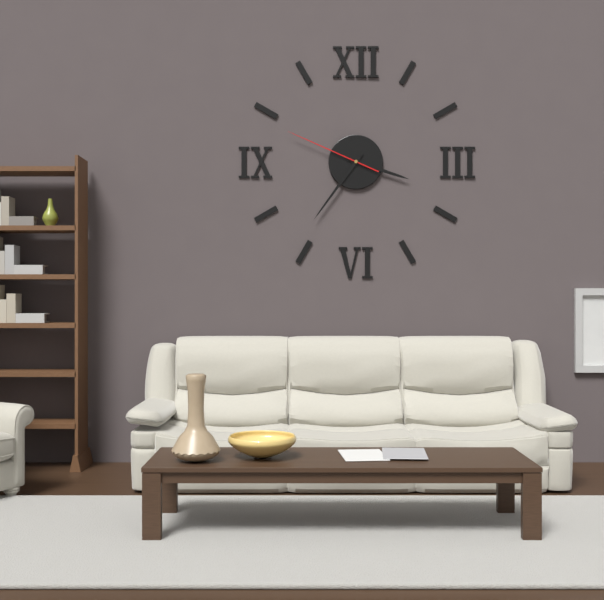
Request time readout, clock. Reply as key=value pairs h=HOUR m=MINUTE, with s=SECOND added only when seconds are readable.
h=3 m=36 s=49
